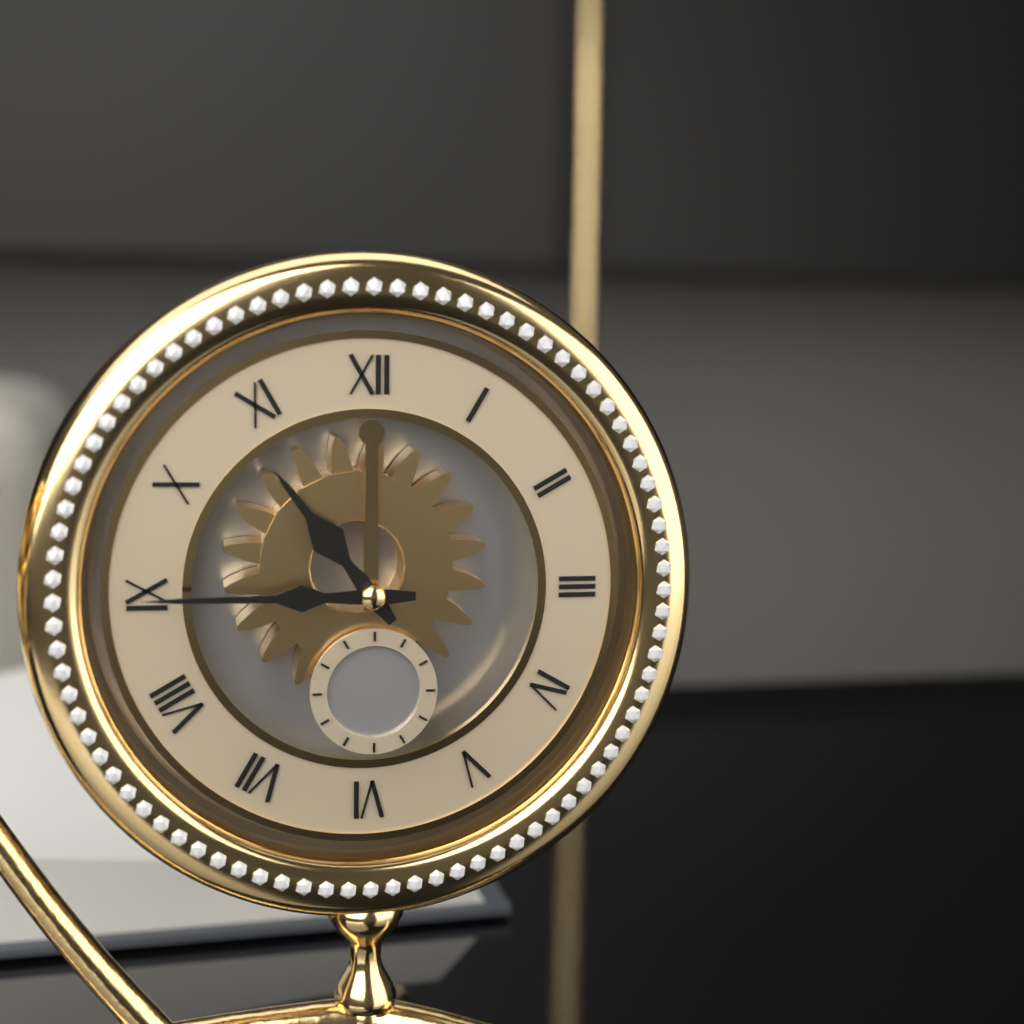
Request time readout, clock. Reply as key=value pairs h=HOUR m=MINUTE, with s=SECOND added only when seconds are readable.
h=10 m=45
